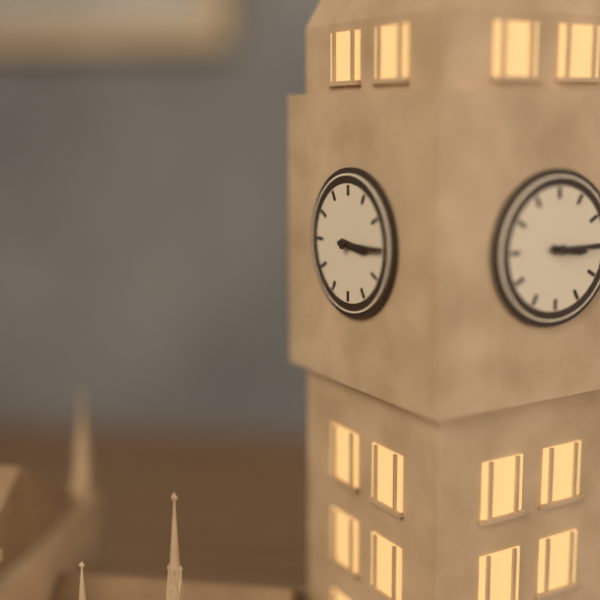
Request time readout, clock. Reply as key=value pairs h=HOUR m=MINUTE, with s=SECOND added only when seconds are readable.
h=3 m=15
